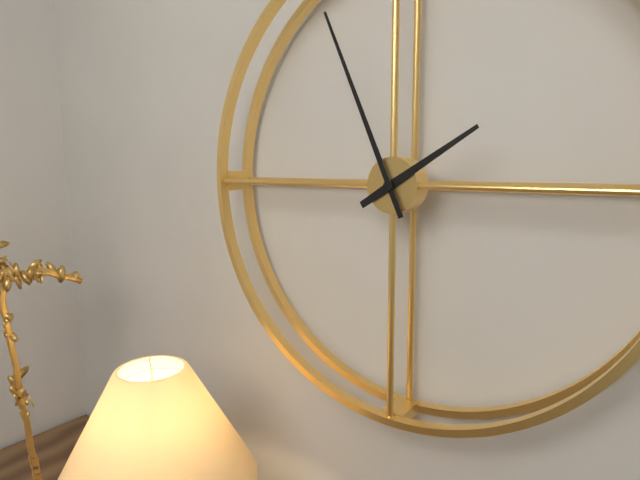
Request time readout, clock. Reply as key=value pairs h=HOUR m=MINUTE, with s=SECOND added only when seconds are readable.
h=1 m=56
